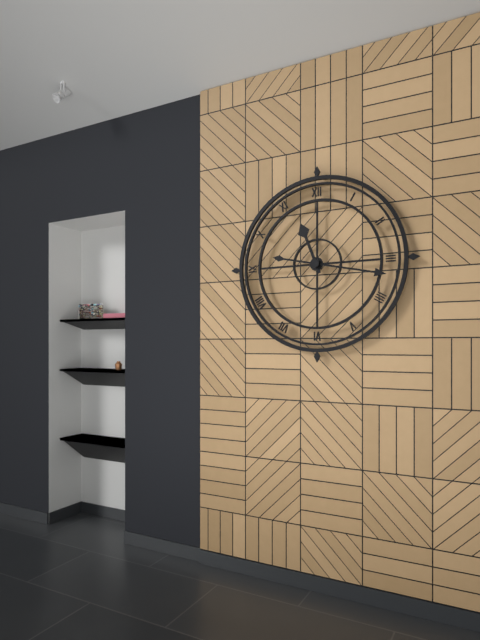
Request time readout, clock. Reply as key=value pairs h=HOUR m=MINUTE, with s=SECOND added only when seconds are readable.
h=11 m=17
